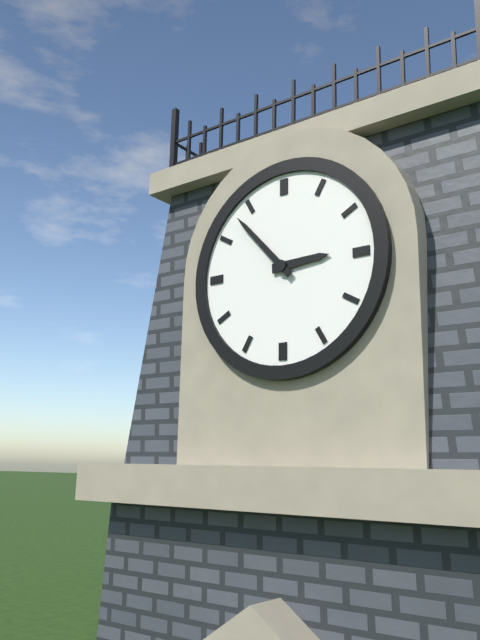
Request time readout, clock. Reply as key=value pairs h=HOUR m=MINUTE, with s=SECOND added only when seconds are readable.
h=2 m=53
